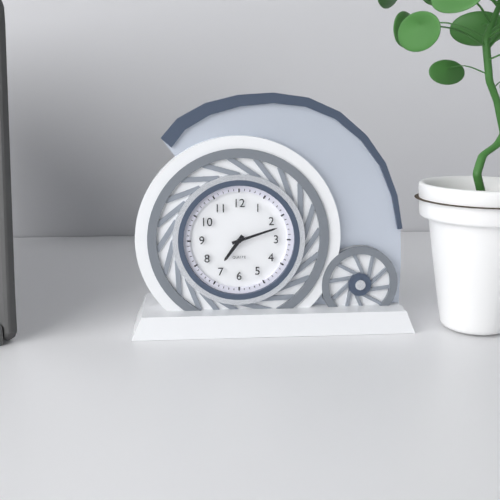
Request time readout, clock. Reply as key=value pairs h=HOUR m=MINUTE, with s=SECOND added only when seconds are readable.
h=7 m=12
